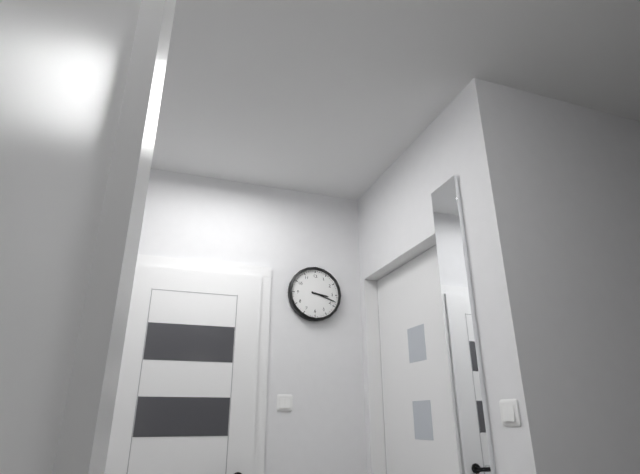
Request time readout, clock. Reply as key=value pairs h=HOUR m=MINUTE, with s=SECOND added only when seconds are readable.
h=3 m=18
